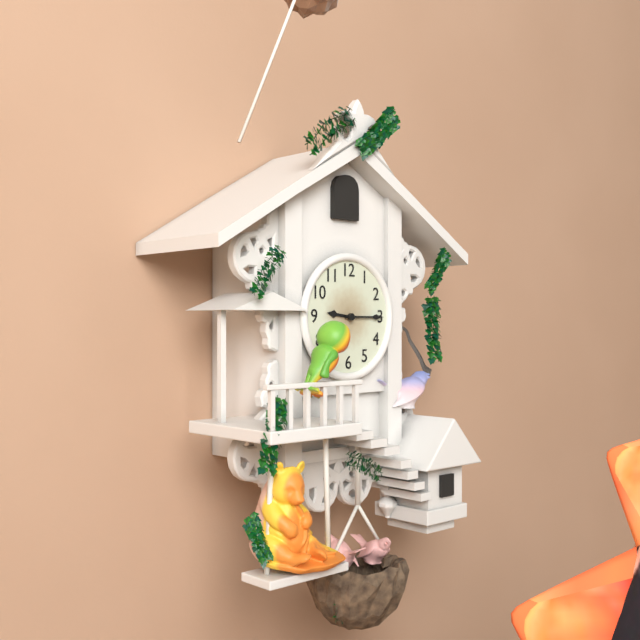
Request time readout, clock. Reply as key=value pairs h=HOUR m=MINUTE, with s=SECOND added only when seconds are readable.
h=9 m=15
